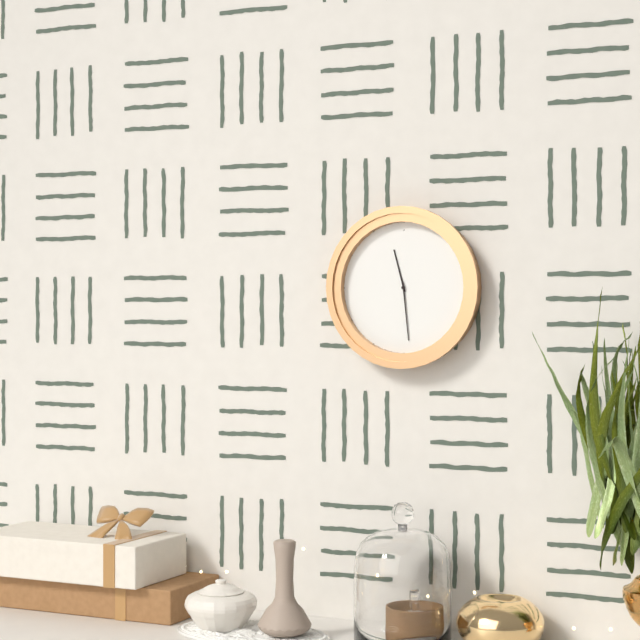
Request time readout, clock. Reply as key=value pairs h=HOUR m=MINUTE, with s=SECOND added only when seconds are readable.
h=11 m=29
